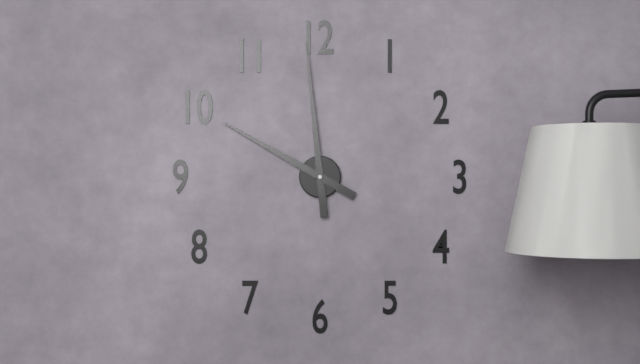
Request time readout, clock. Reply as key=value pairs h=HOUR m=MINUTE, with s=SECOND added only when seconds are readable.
h=9 m=59
